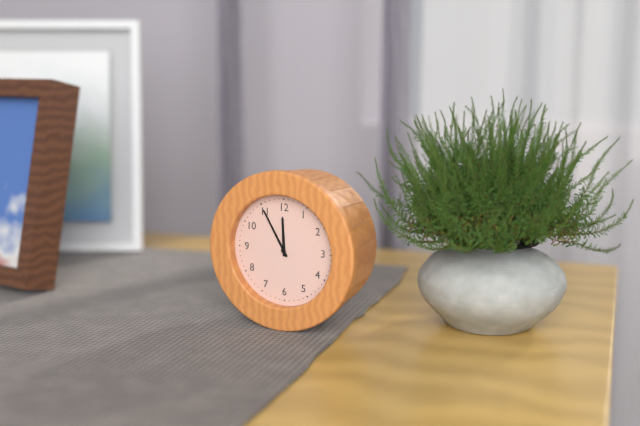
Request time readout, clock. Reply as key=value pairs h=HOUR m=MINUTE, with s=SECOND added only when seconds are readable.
h=11 m=55
